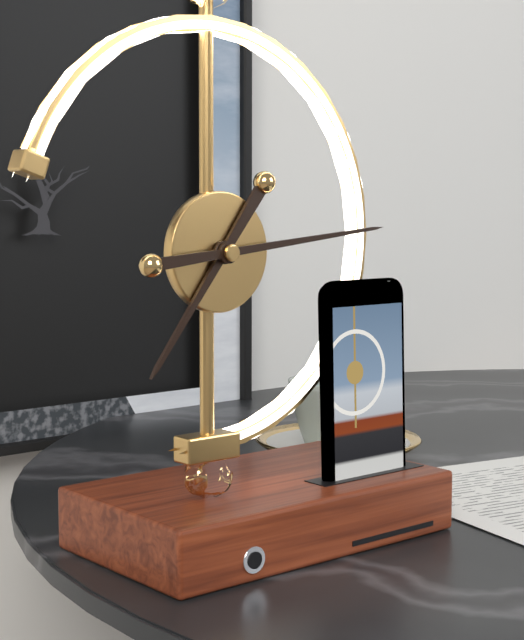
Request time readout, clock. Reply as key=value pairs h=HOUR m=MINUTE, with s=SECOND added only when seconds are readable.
h=7 m=14
